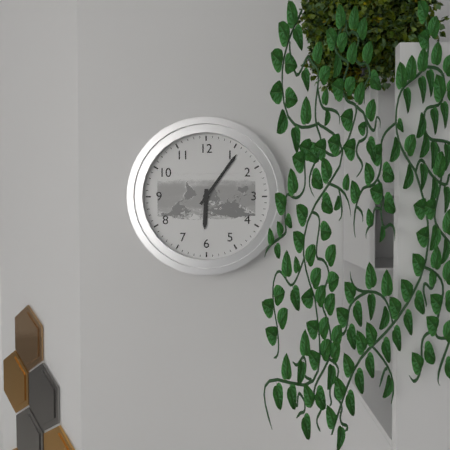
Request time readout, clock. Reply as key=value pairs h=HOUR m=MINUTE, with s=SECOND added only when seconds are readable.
h=6 m=6
